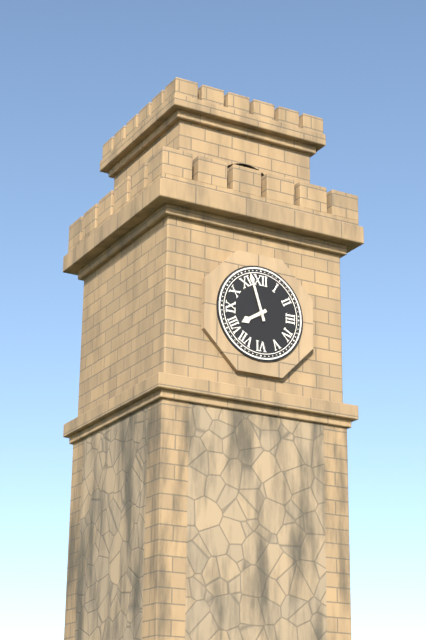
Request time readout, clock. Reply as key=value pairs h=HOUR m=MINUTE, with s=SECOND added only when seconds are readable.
h=7 m=57
